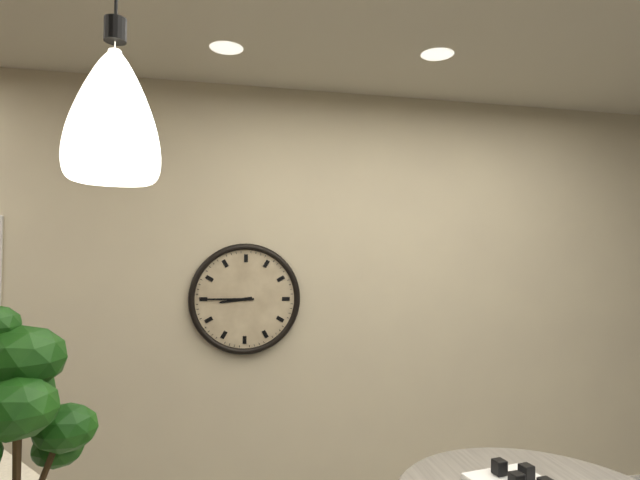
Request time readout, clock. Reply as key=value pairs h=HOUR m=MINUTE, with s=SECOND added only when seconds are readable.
h=8 m=45
